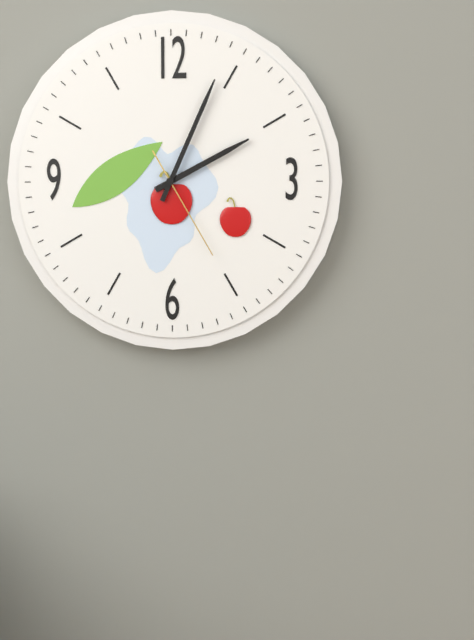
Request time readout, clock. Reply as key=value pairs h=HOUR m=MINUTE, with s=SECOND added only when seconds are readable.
h=2 m=4 s=25
